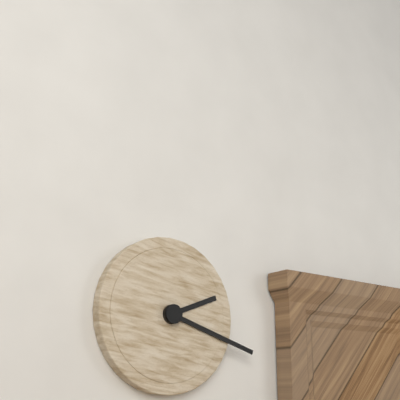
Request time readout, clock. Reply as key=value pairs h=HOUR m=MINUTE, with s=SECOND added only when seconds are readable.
h=2 m=18
